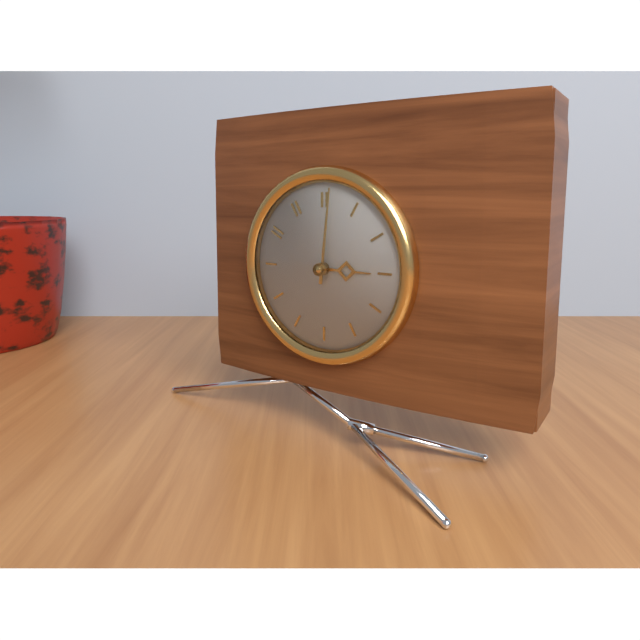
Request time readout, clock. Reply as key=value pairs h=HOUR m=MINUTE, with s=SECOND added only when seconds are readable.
h=3 m=1
